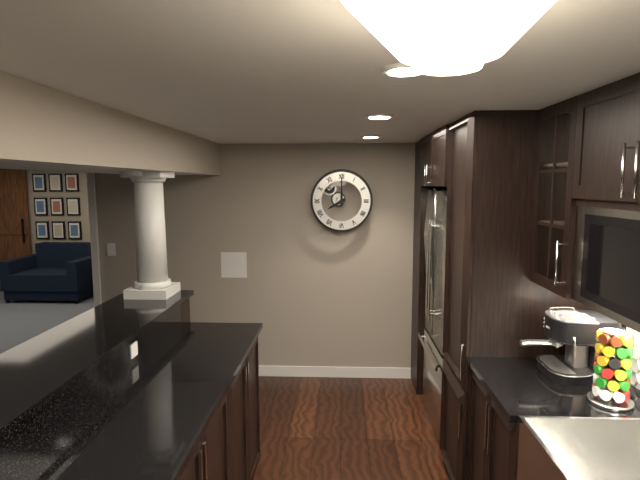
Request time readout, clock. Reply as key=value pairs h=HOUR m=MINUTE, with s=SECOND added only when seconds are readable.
h=8 m=0
